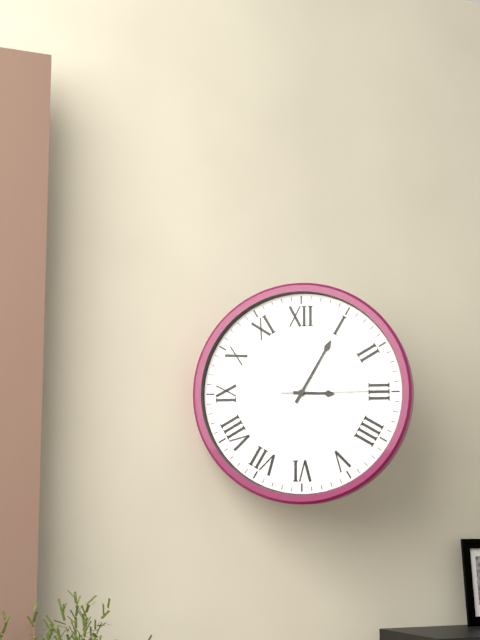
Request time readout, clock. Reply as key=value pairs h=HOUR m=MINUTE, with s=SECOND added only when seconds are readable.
h=3 m=5 s=15
